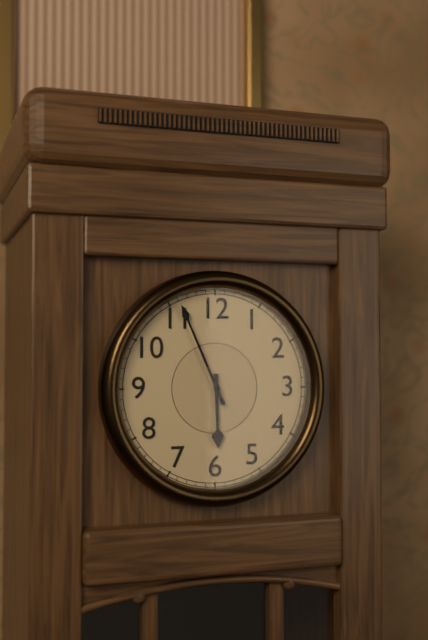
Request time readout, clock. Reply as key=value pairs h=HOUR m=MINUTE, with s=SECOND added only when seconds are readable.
h=5 m=56
